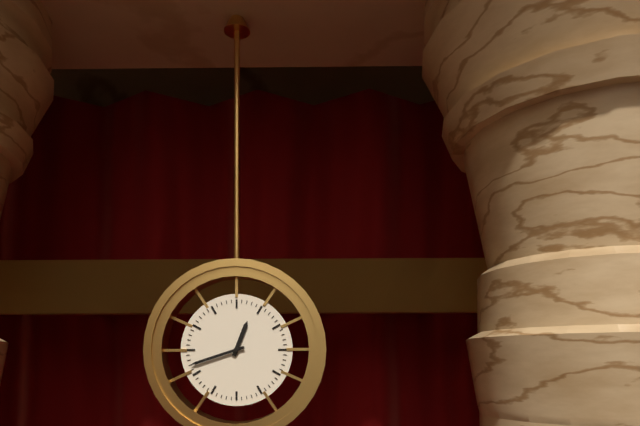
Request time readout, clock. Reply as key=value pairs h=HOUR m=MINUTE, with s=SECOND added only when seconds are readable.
h=12 m=42
